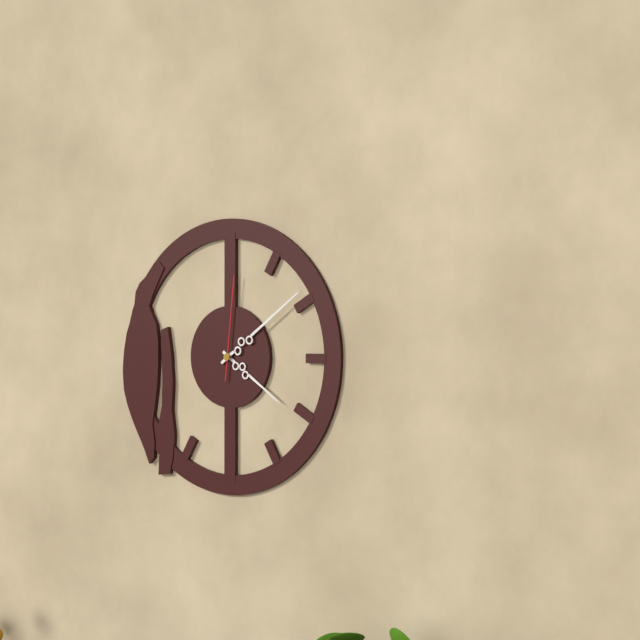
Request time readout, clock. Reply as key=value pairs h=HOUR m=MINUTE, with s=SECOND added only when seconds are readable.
h=4 m=9 s=1
